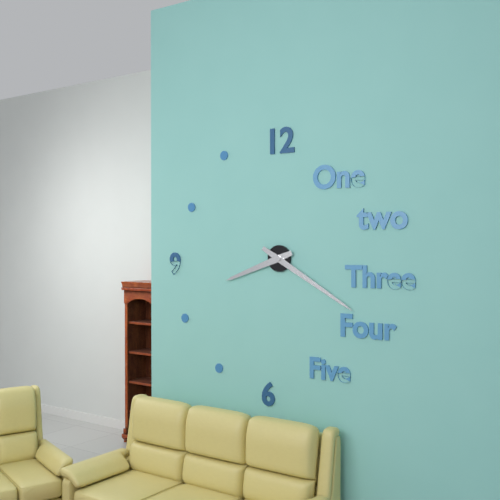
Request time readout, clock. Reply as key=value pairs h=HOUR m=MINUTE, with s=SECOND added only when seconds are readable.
h=8 m=20
